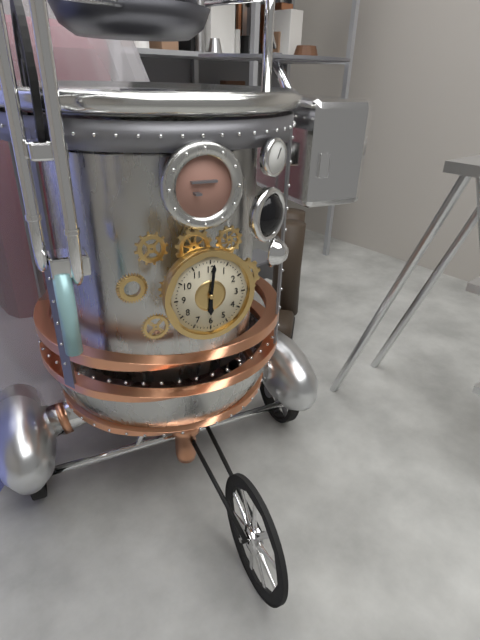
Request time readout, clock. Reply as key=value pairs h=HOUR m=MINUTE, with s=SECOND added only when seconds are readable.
h=6 m=1
